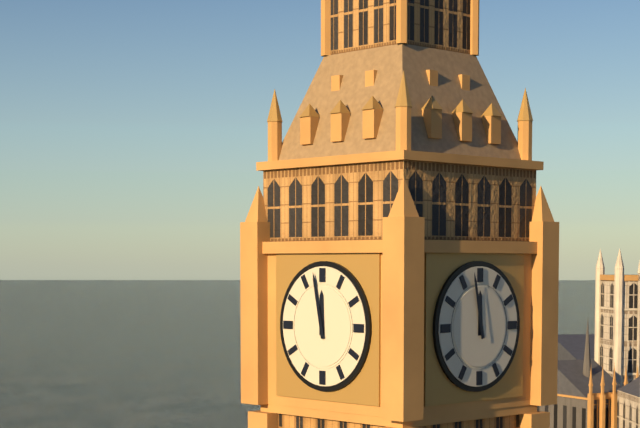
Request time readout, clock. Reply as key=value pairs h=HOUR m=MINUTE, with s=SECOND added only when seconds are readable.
h=11 m=58
